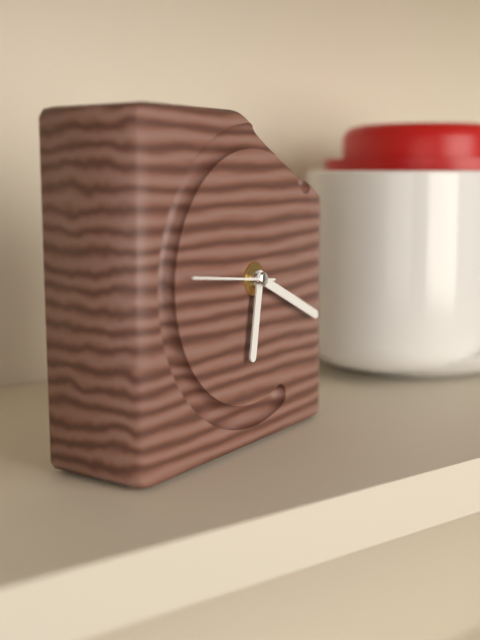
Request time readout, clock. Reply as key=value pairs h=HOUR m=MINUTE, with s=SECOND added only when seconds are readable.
h=6 m=19 s=46
